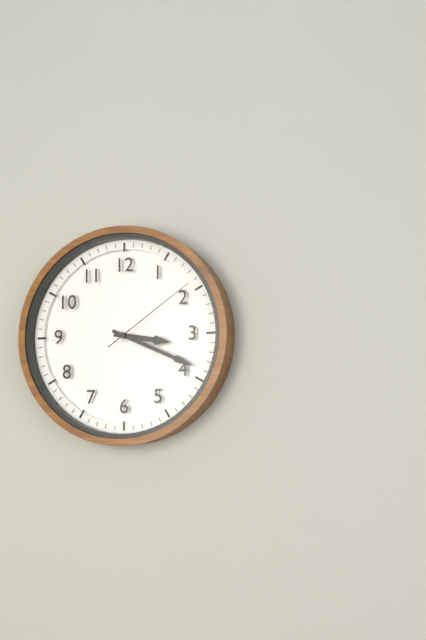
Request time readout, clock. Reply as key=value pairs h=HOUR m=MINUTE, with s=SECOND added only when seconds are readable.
h=3 m=19 s=9
